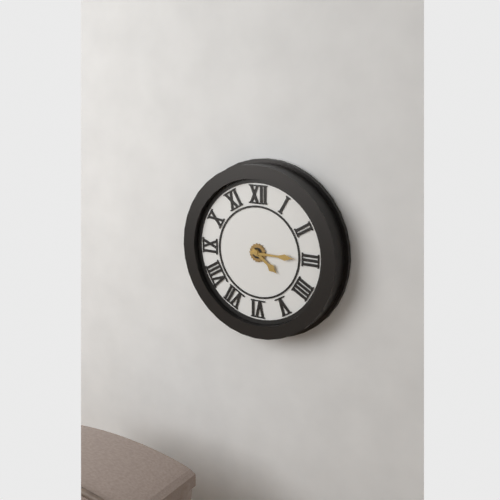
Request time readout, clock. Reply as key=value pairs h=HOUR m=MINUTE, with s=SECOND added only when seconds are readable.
h=4 m=15
